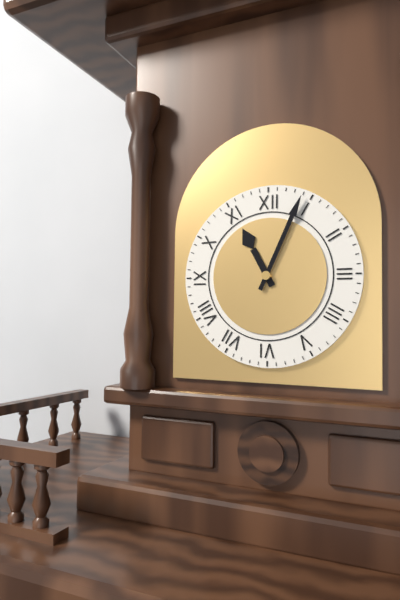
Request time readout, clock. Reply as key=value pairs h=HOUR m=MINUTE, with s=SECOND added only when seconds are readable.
h=11 m=4
